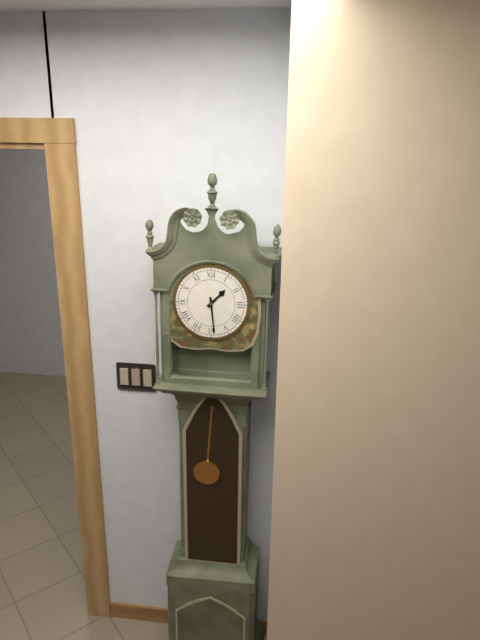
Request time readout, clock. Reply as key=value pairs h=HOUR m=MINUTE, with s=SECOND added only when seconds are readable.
h=1 m=29
